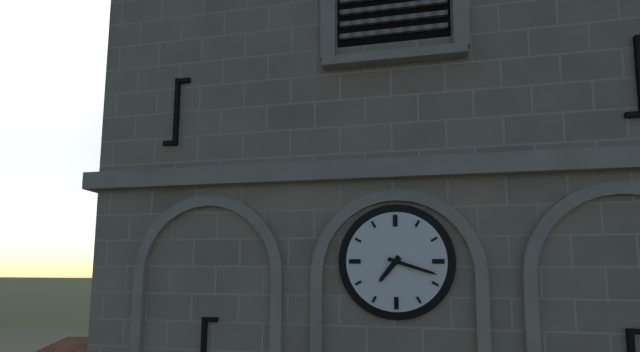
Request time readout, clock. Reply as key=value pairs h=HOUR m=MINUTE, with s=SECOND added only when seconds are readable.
h=7 m=18
